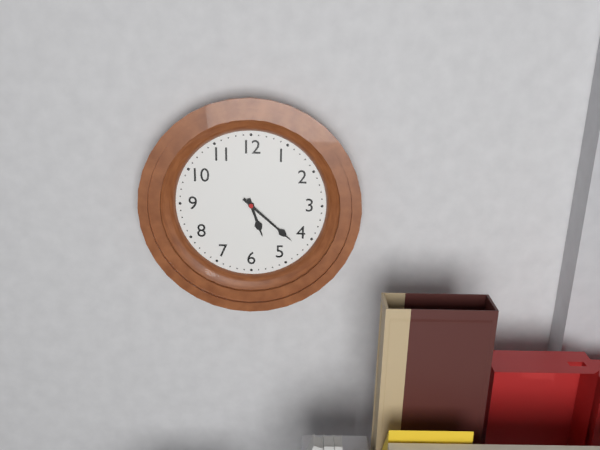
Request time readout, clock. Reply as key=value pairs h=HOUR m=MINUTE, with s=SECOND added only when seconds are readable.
h=5 m=22
